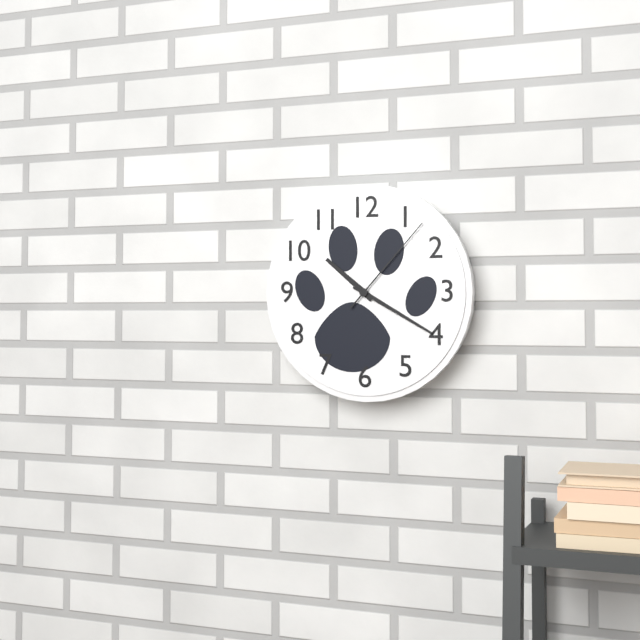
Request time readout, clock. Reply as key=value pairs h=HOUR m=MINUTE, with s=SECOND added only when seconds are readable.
h=10 m=20 s=7
